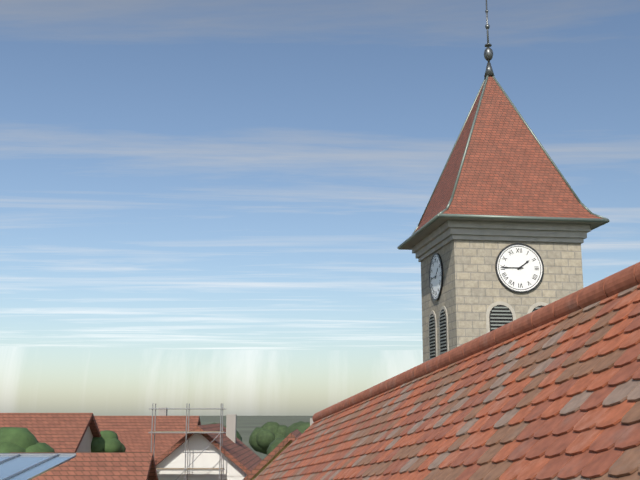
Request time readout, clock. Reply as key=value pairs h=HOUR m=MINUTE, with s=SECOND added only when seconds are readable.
h=1 m=45
